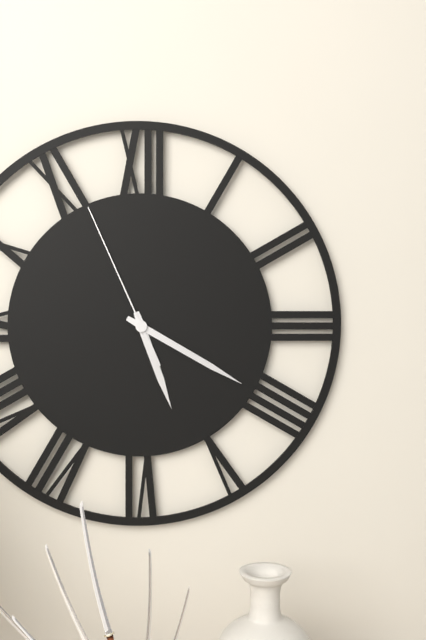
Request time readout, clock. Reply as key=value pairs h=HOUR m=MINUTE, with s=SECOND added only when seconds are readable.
h=5 m=20 s=56
